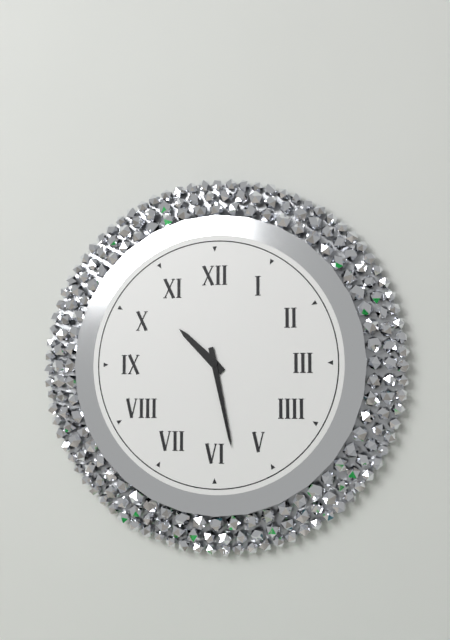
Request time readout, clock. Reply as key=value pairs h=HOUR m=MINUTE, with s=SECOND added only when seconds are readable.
h=10 m=28
